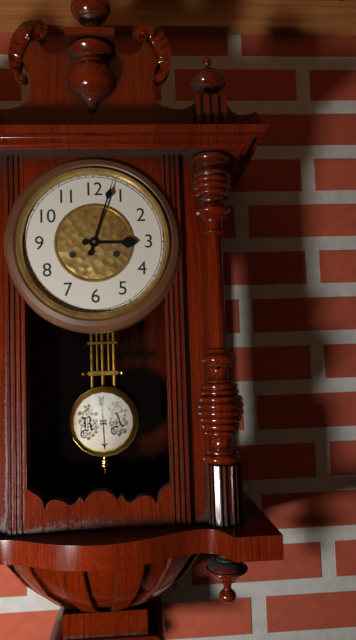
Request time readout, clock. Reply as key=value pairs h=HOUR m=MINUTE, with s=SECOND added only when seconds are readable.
h=3 m=3
